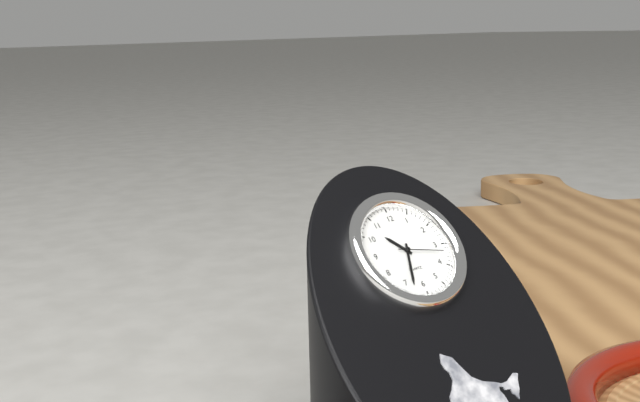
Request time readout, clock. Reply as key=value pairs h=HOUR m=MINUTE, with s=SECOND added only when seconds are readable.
h=10 m=33
